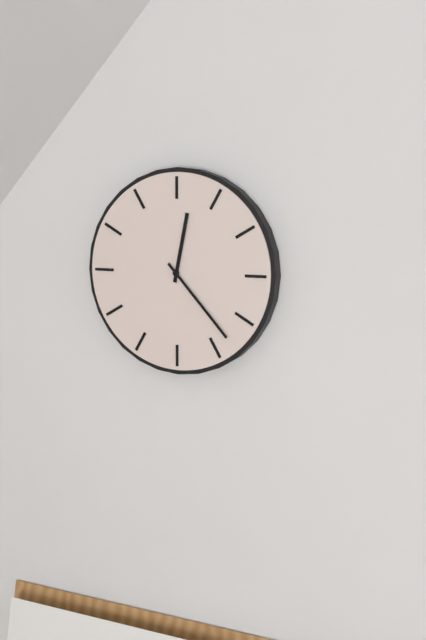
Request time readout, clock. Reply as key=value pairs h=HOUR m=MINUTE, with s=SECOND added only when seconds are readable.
h=12 m=23
